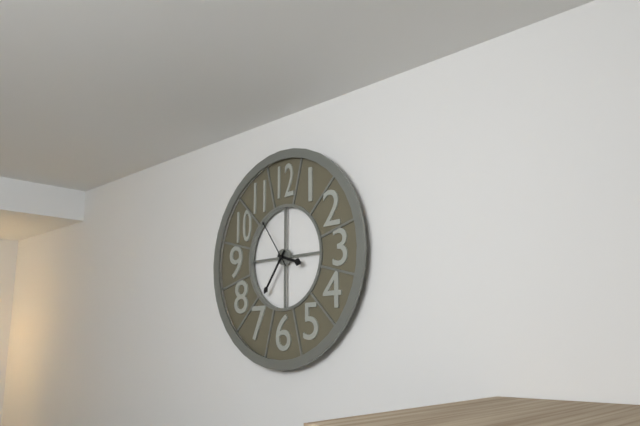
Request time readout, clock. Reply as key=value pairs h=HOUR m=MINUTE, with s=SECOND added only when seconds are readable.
h=3 m=36 s=54
